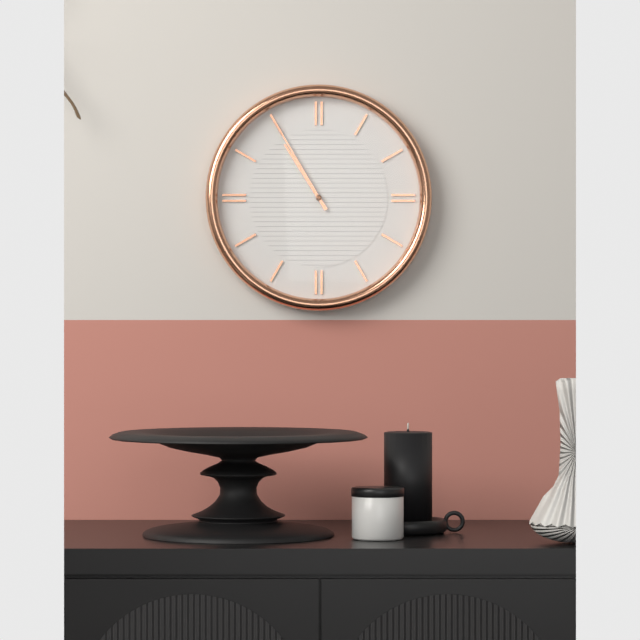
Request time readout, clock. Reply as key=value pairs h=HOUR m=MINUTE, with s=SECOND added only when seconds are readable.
h=10 m=55
